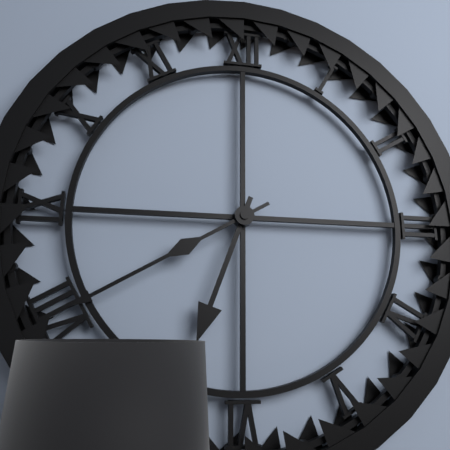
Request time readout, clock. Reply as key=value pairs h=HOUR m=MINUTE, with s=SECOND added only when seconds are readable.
h=6 m=40
